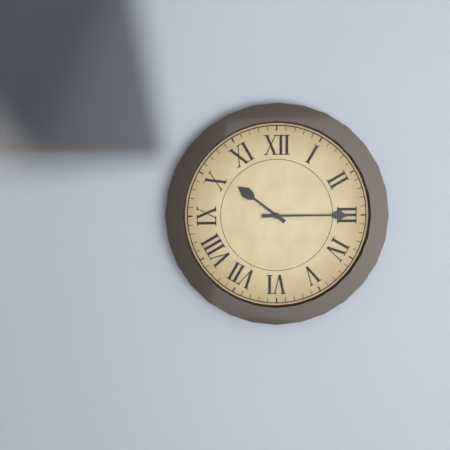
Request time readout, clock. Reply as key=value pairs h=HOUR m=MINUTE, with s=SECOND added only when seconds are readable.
h=10 m=15
